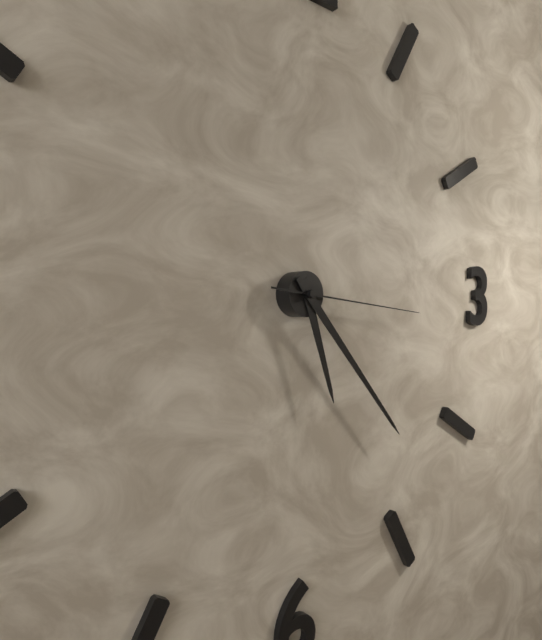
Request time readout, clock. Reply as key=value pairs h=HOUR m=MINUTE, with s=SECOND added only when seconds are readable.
h=5 m=23 s=16
